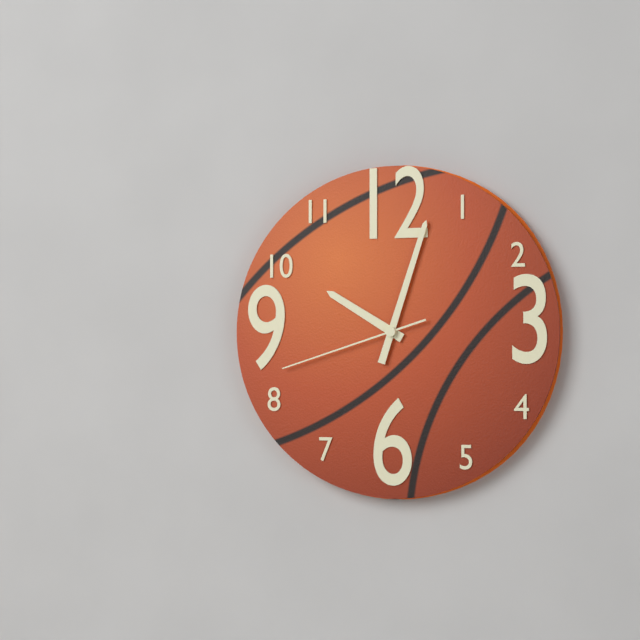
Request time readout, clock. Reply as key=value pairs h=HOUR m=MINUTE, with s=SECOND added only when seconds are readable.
h=10 m=3 s=42
